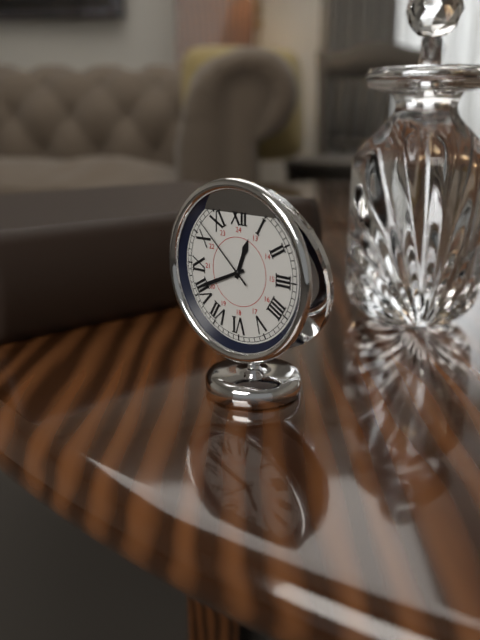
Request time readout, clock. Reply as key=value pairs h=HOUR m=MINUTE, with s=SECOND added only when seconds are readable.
h=12 m=41 s=52
